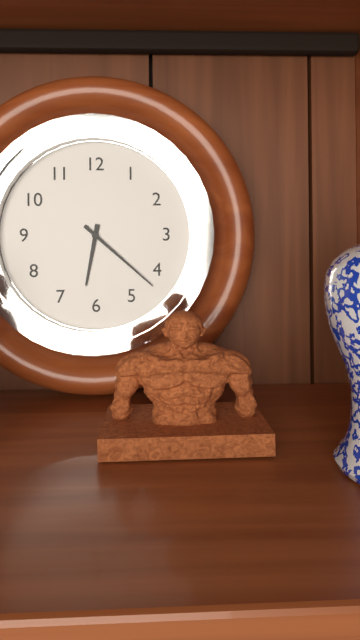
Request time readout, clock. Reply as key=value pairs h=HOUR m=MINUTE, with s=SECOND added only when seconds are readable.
h=6 m=22
